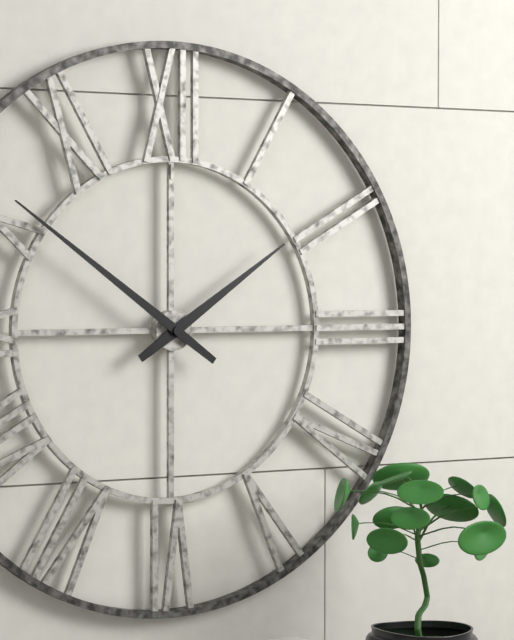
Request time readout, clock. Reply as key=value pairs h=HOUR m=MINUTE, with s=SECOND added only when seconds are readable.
h=1 m=51
